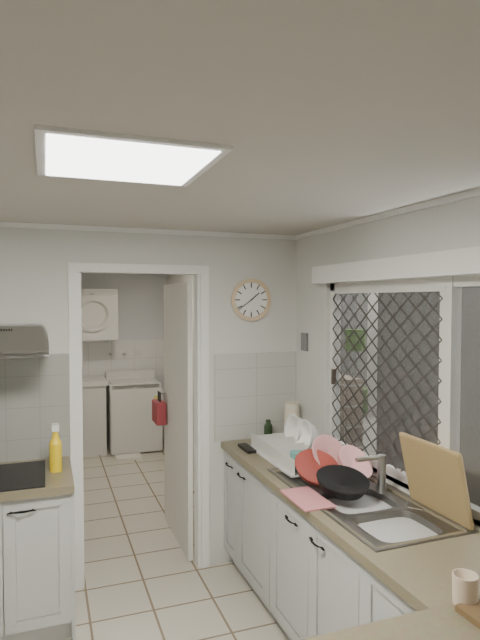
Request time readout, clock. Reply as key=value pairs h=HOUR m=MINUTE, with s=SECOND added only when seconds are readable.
h=1 m=39
